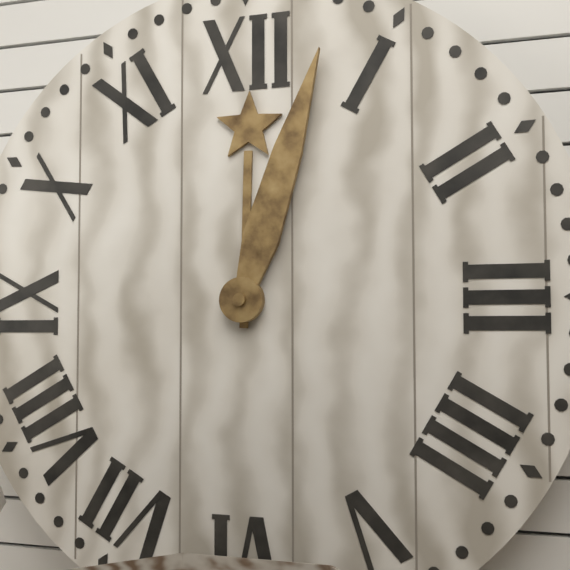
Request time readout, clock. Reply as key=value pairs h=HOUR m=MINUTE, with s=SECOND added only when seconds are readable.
h=12 m=3
